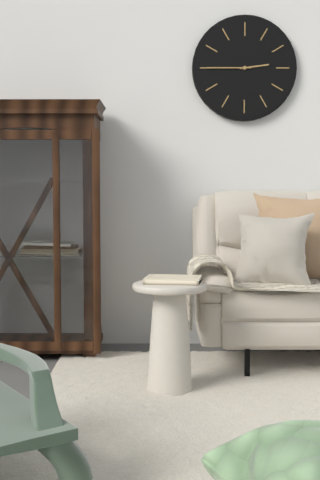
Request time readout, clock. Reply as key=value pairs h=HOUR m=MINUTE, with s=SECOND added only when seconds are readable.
h=2 m=45
